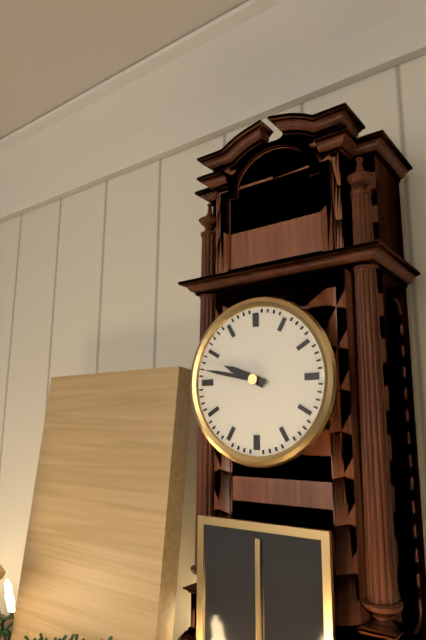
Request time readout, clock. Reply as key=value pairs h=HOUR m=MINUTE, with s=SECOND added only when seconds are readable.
h=9 m=47
